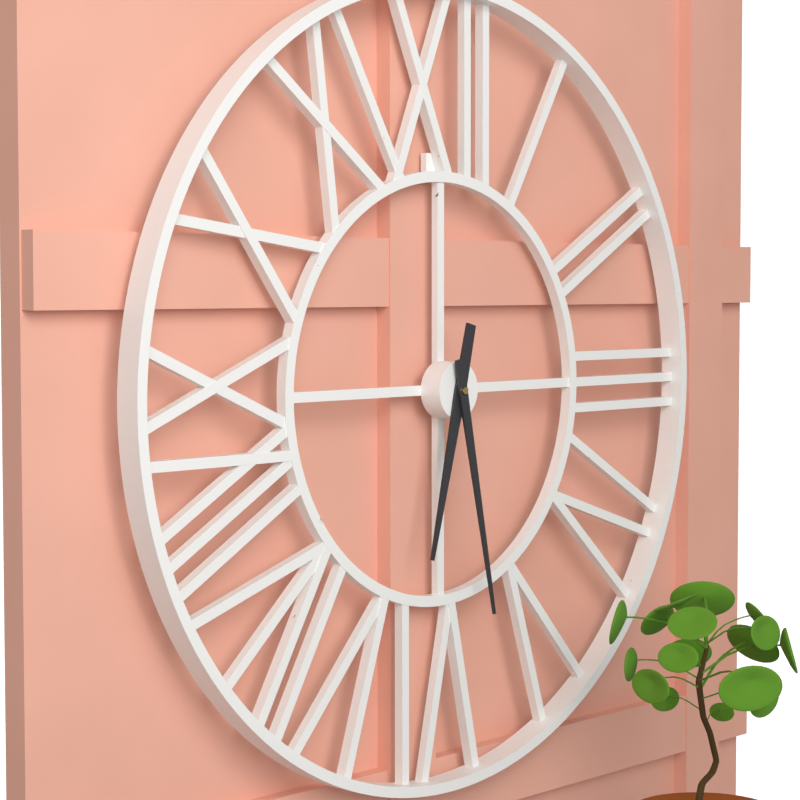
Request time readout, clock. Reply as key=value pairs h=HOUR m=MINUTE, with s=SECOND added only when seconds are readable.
h=6 m=28
